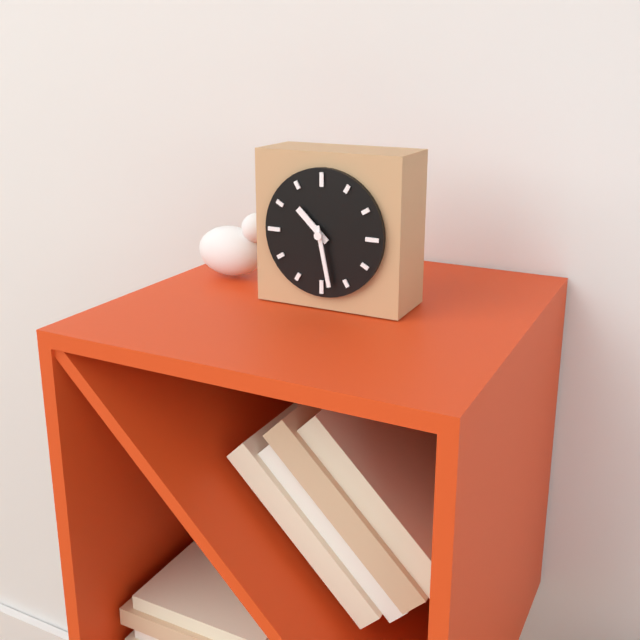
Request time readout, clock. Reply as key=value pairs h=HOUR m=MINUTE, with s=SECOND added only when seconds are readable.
h=10 m=28
